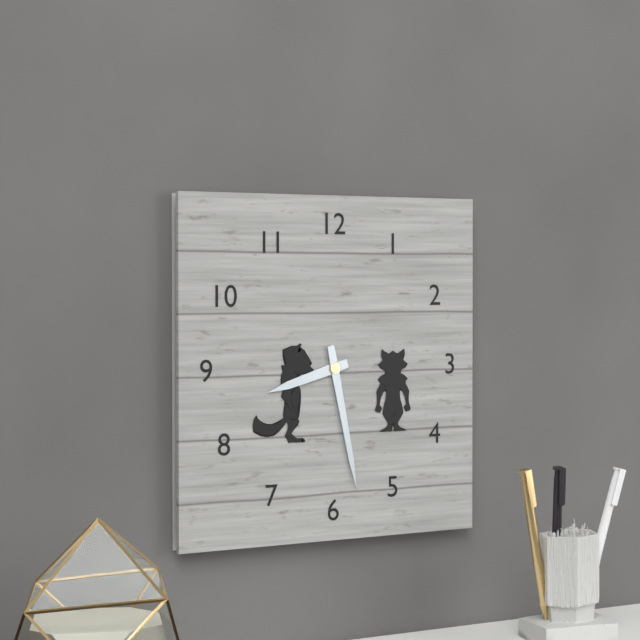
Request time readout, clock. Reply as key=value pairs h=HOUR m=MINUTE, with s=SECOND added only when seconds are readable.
h=8 m=28
